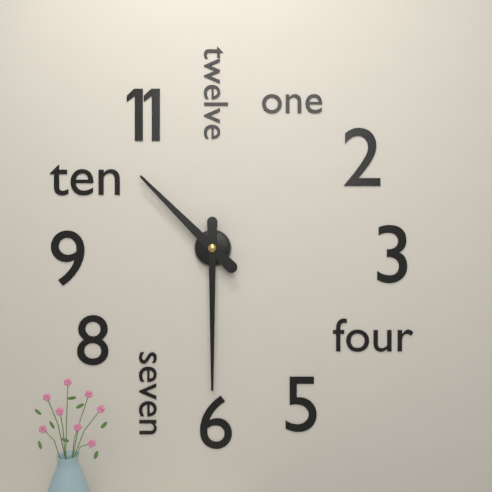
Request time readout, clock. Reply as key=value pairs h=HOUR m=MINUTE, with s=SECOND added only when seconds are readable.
h=10 m=30
